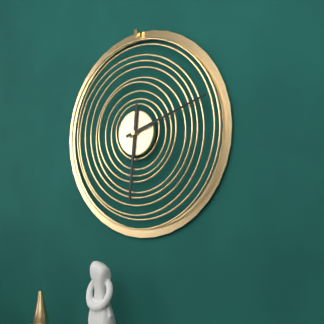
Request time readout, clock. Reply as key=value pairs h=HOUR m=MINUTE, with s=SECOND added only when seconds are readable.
h=6 m=12
